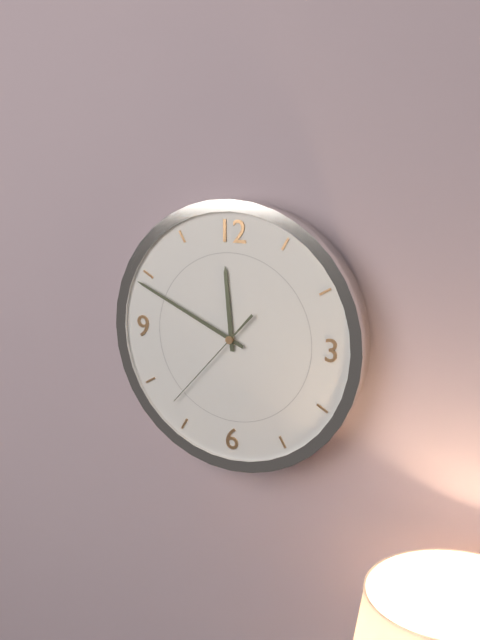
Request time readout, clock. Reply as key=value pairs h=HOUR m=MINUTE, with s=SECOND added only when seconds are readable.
h=11 m=49 s=37
